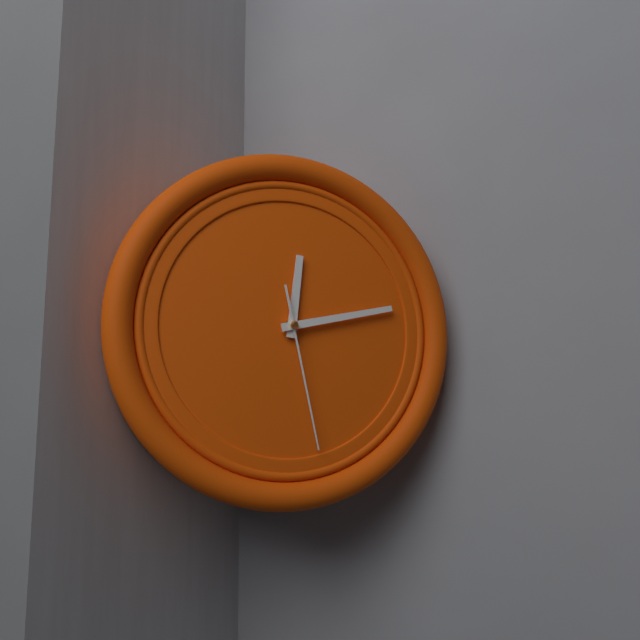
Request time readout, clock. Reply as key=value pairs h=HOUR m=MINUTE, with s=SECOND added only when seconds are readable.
h=12 m=13 s=28
